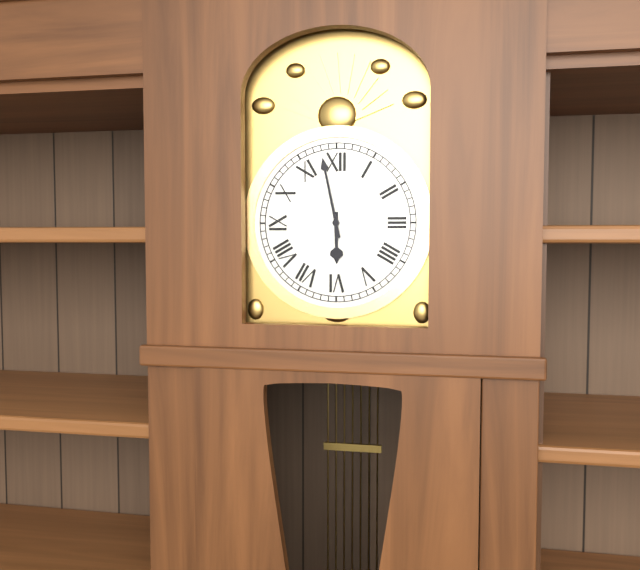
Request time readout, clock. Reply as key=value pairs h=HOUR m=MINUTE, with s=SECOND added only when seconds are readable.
h=5 m=58
